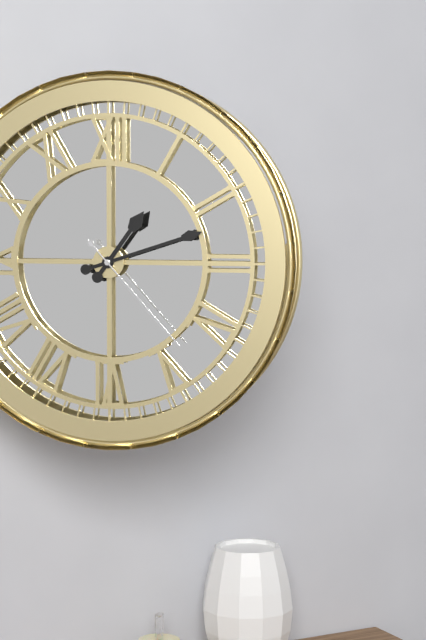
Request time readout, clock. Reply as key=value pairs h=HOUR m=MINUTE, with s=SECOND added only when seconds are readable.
h=1 m=12 s=23
